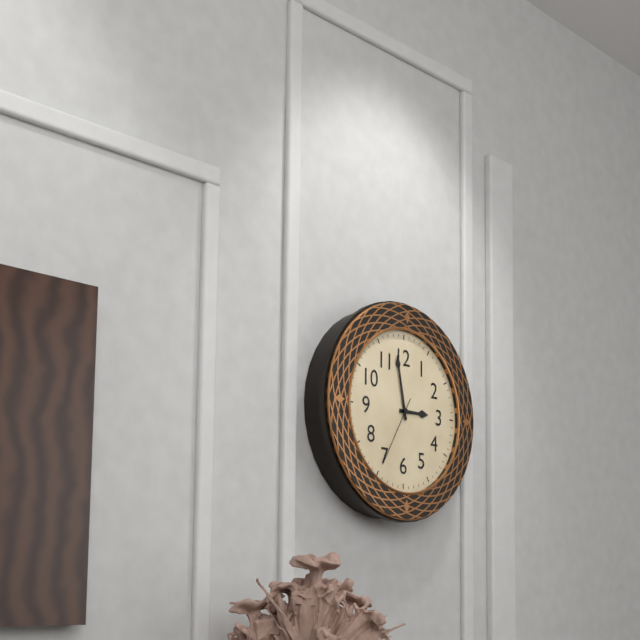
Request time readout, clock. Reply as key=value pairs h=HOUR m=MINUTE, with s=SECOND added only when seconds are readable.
h=2 m=58 s=35
